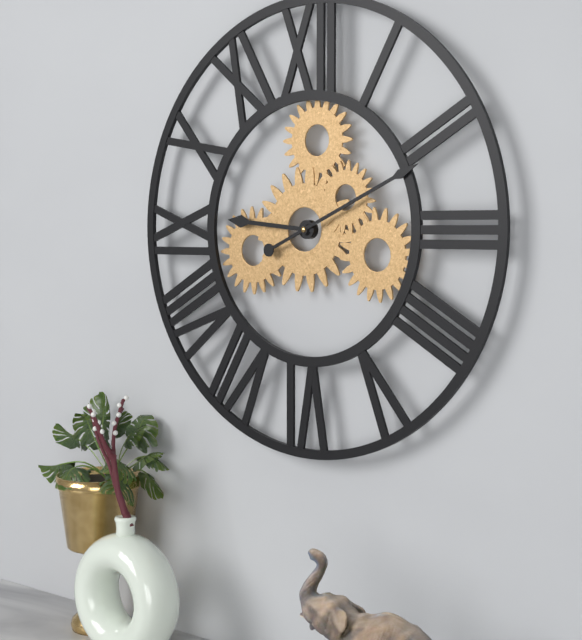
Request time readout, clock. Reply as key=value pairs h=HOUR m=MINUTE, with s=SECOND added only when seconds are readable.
h=9 m=11
